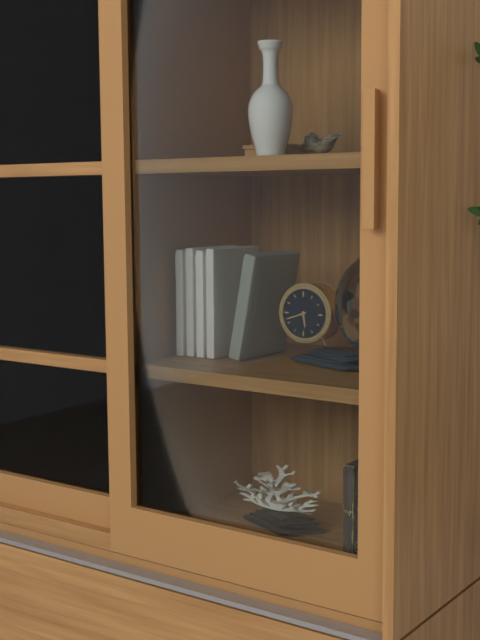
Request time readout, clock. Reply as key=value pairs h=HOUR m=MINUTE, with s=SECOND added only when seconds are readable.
h=5 m=42
